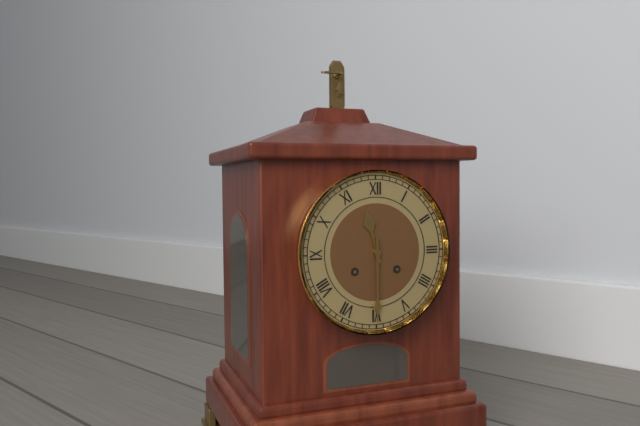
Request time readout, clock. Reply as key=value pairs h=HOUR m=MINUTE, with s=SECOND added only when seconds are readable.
h=11 m=30
